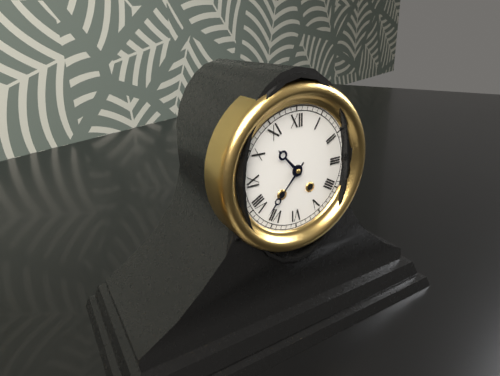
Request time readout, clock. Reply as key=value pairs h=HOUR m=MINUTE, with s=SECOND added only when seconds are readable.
h=10 m=37
